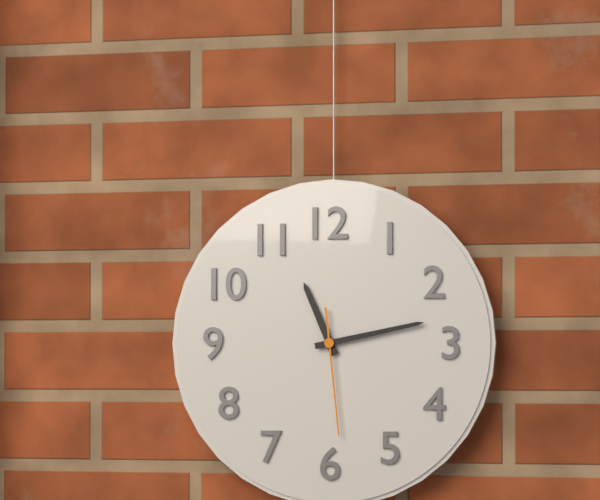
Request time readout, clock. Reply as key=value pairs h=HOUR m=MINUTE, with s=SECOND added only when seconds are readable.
h=11 m=13 s=29
